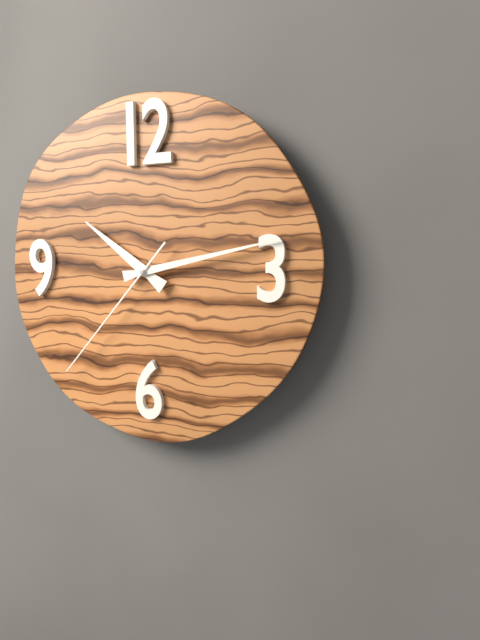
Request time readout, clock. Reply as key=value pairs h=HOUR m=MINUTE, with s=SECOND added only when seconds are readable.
h=10 m=13 s=37
